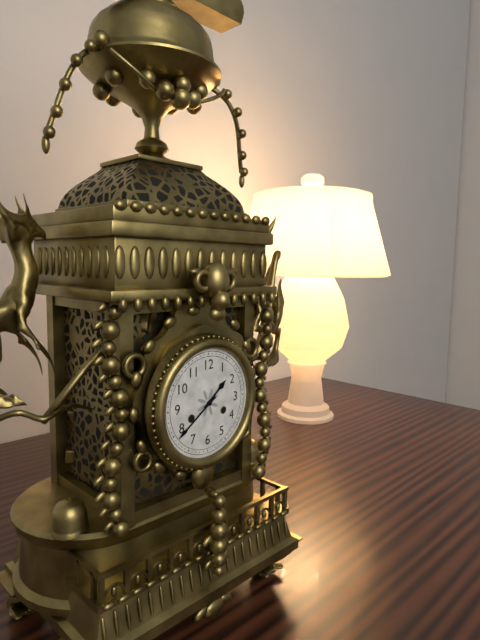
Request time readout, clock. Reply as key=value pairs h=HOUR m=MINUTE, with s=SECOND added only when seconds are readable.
h=1 m=39
